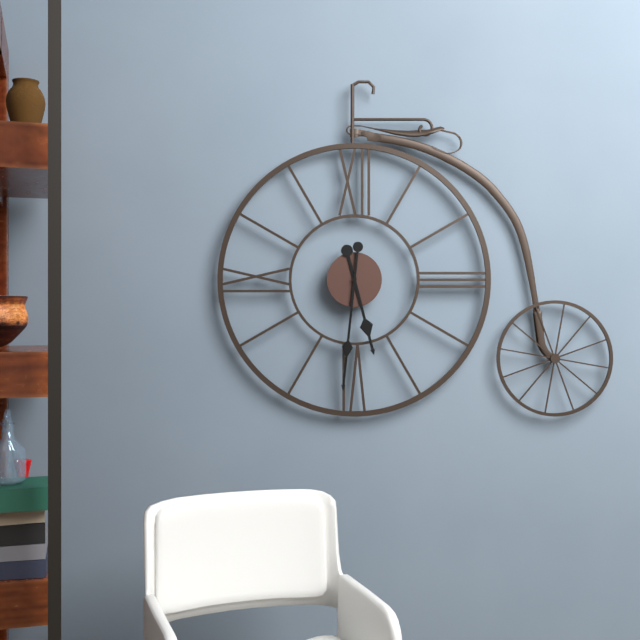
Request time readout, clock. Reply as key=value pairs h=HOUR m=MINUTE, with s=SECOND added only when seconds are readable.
h=5 m=31
